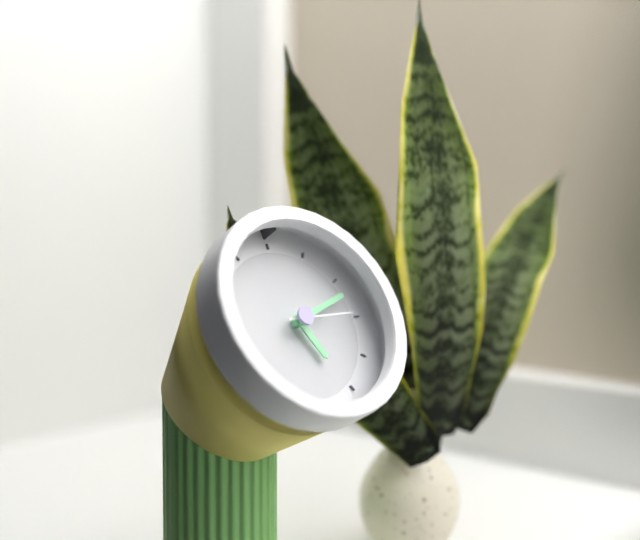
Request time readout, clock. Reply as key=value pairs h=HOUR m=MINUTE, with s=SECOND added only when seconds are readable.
h=5 m=12 s=15
